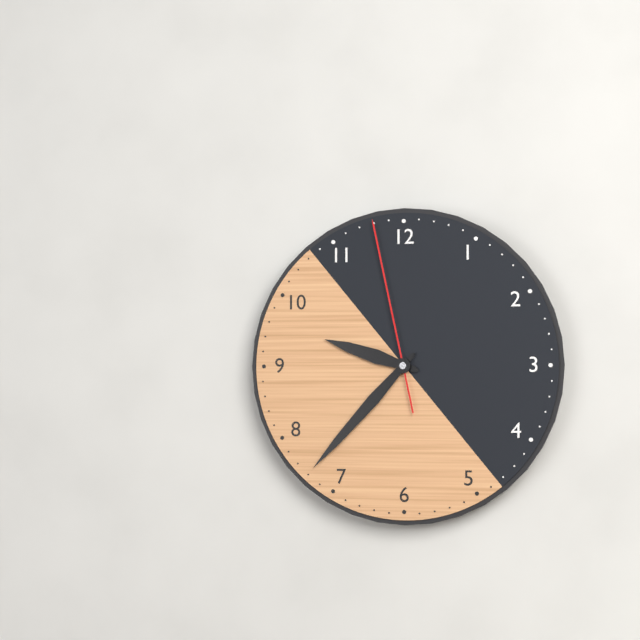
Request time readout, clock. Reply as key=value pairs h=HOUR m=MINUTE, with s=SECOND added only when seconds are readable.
h=9 m=37 s=58
